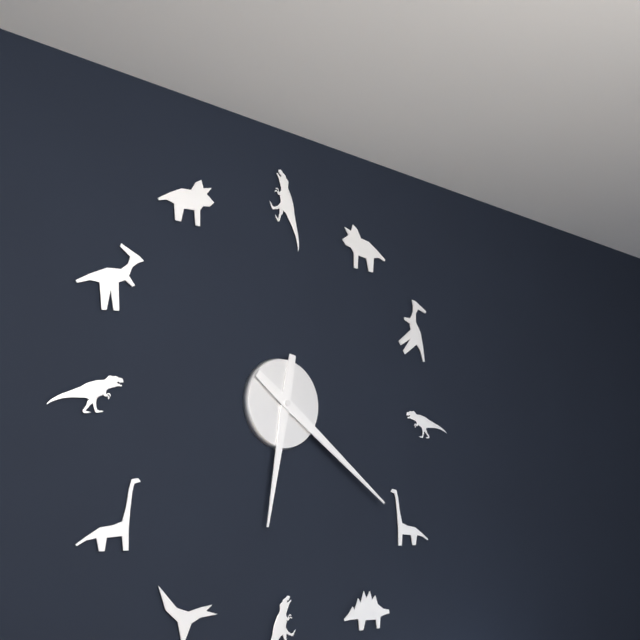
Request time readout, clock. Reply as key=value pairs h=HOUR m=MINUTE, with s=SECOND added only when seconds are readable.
h=6 m=21
